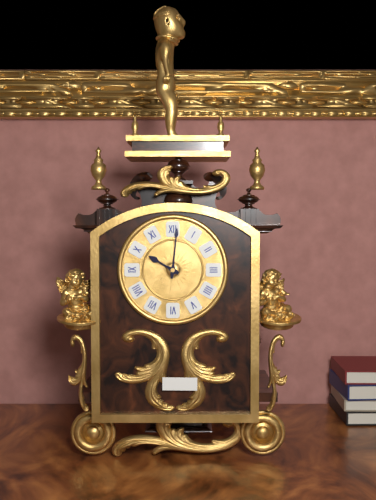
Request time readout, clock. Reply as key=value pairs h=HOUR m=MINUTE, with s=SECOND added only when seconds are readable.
h=10 m=1
